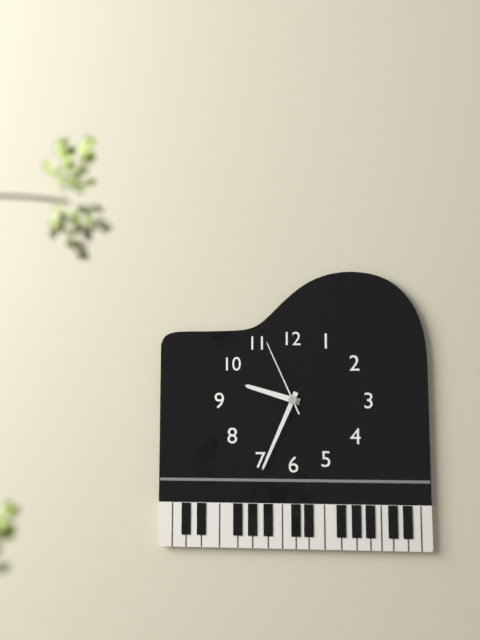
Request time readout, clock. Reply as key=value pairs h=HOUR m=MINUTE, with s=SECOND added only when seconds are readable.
h=9 m=34 s=56
